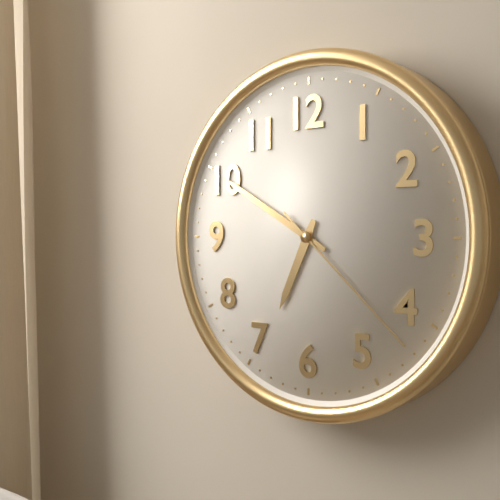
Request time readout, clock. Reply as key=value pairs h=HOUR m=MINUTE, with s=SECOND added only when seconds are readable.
h=6 m=50 s=22
